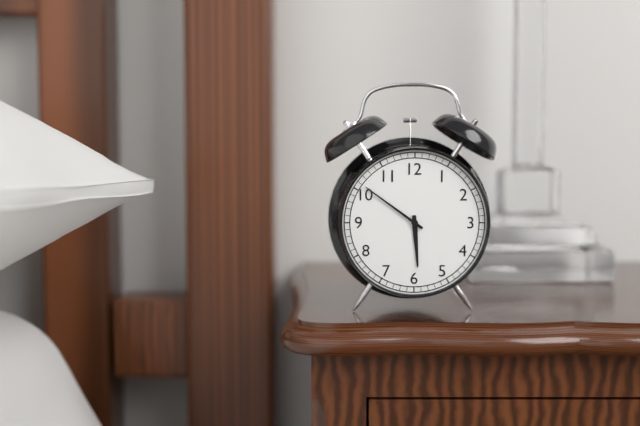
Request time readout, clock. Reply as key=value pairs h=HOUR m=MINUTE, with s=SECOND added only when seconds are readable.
h=5 m=51
